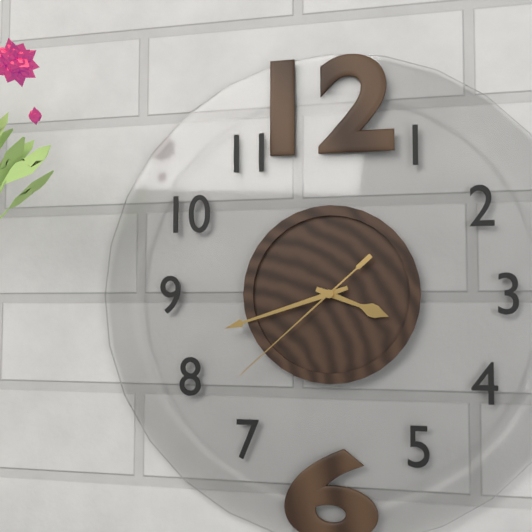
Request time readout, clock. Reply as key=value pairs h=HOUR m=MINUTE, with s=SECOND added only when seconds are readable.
h=3 m=42 s=38
